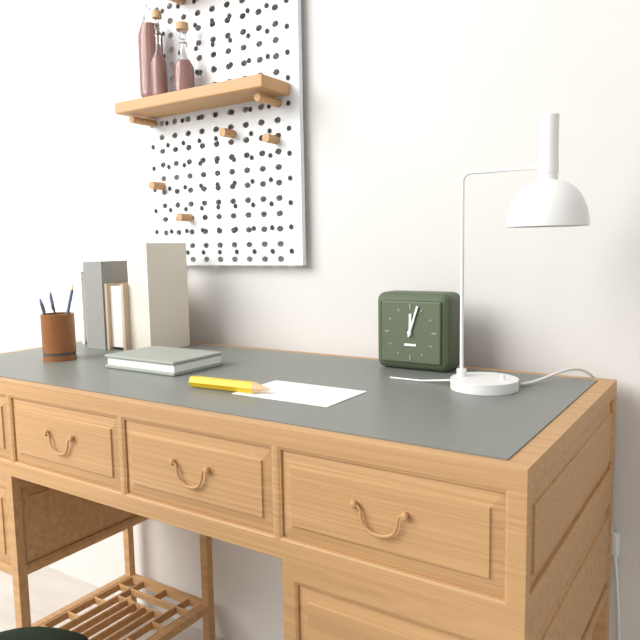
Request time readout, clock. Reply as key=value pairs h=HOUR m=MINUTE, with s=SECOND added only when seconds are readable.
h=12 m=3
